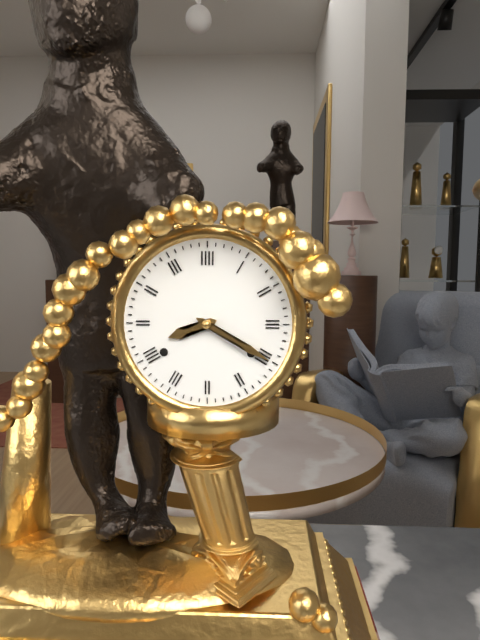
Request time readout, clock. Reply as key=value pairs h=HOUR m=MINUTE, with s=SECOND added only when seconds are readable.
h=8 m=20
